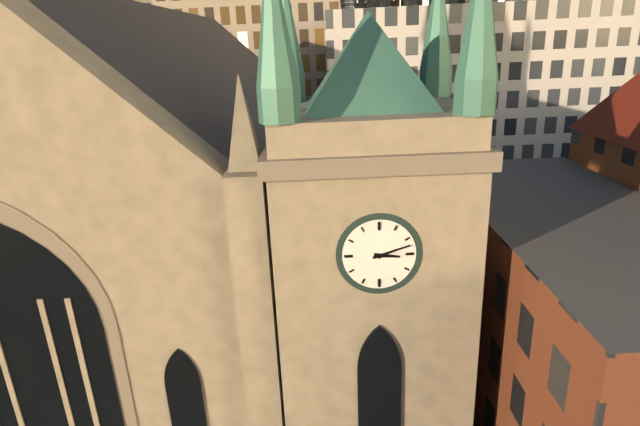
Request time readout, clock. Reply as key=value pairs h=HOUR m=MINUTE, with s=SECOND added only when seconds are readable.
h=3 m=12
